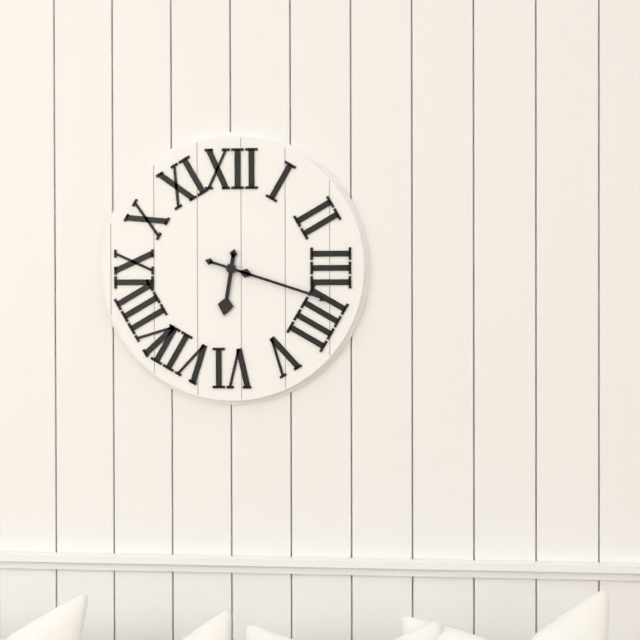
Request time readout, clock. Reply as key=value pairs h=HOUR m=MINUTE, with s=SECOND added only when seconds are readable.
h=6 m=18
